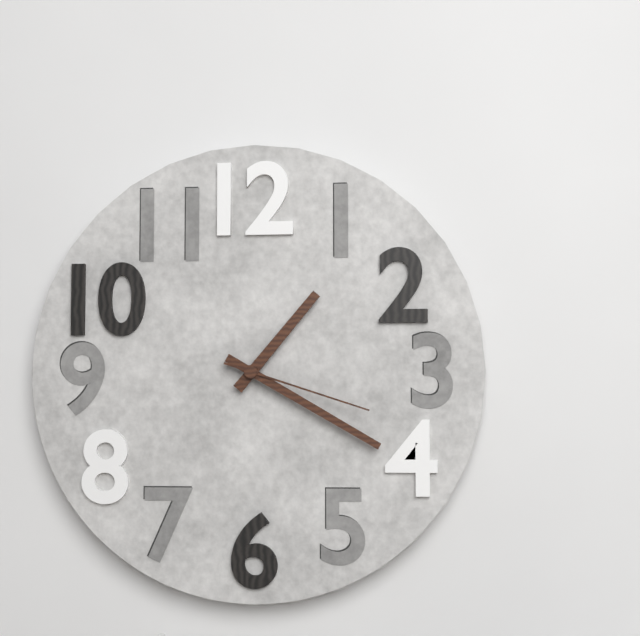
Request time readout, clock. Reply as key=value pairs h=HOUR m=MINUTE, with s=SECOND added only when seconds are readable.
h=1 m=20 s=18
